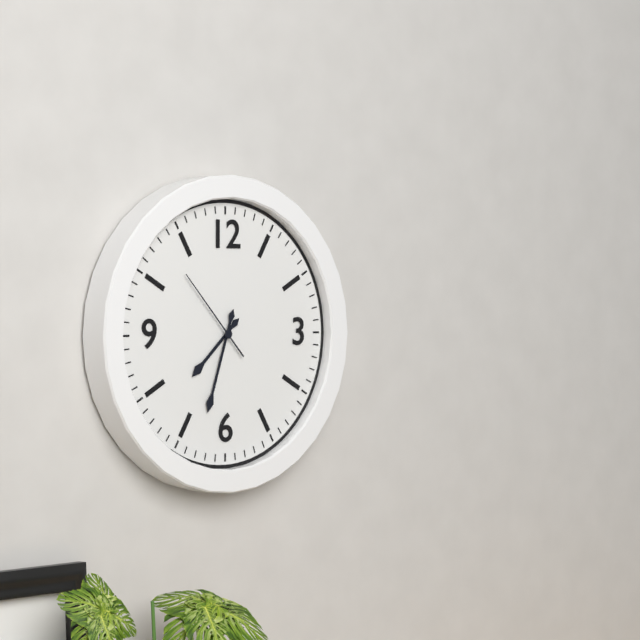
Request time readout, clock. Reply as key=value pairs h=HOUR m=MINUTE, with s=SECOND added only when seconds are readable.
h=7 m=33 s=53
